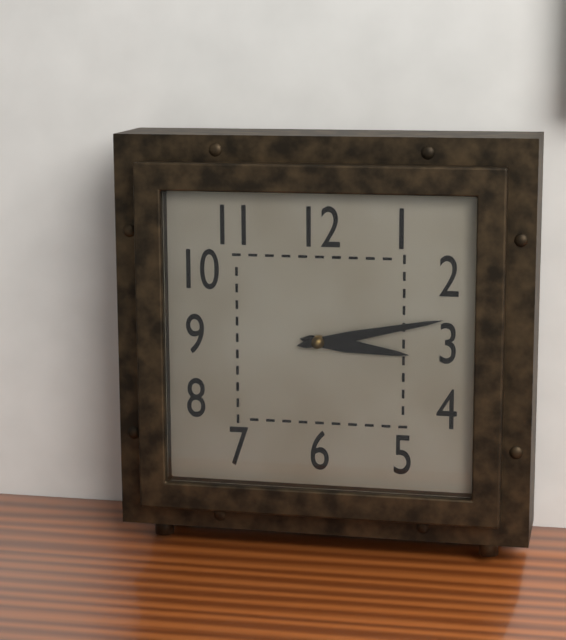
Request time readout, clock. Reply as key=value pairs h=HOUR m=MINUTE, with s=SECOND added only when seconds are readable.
h=3 m=13
